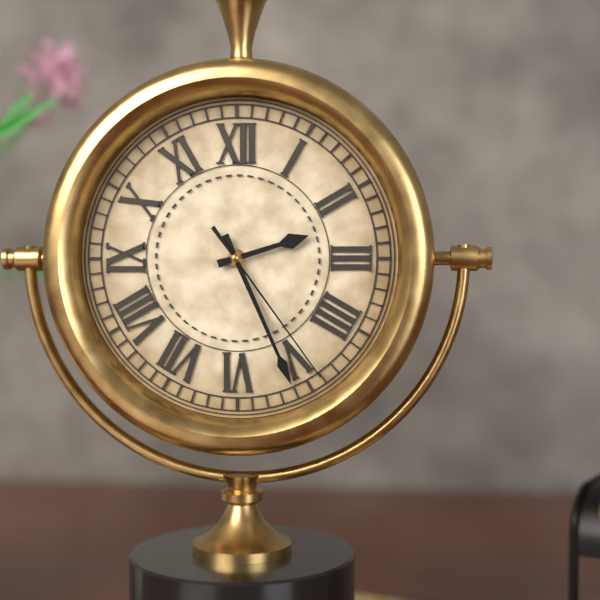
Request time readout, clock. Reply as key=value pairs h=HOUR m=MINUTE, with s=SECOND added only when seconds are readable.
h=2 m=26 s=24
